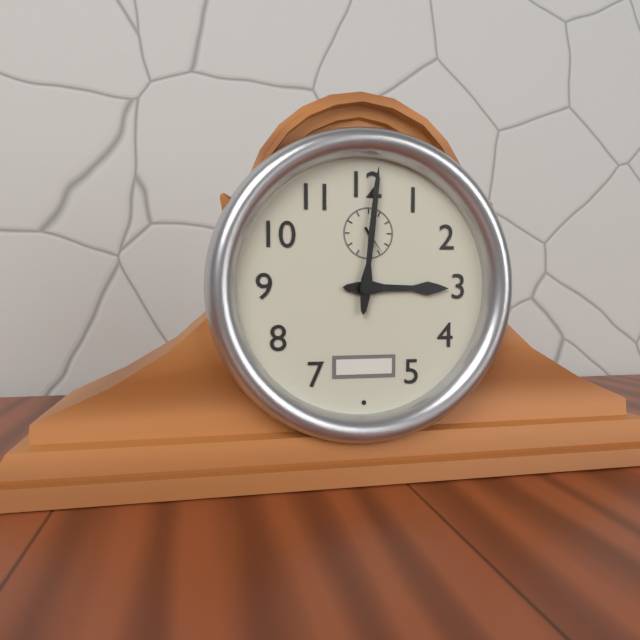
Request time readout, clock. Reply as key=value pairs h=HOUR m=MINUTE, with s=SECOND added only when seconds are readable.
h=3 m=1
